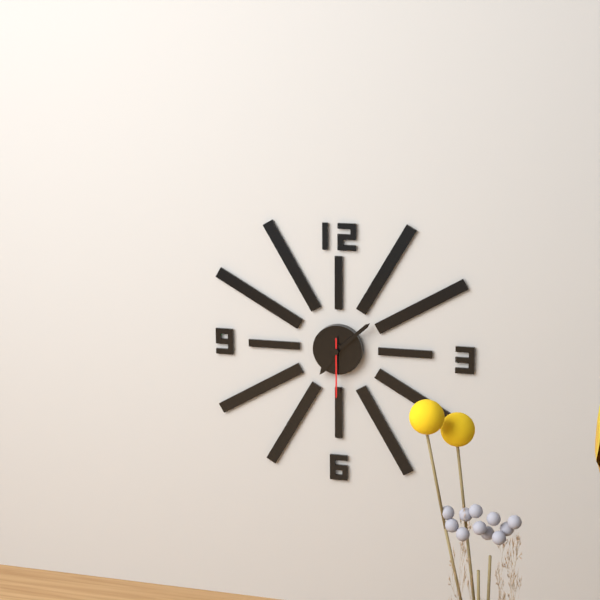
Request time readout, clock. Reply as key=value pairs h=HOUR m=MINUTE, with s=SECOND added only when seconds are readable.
h=7 m=8 s=30
